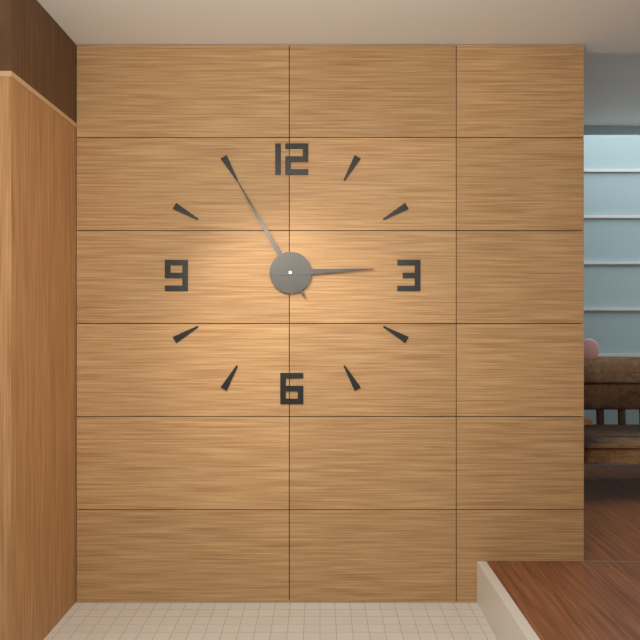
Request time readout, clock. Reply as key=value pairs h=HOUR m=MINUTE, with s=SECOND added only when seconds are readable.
h=2 m=55
